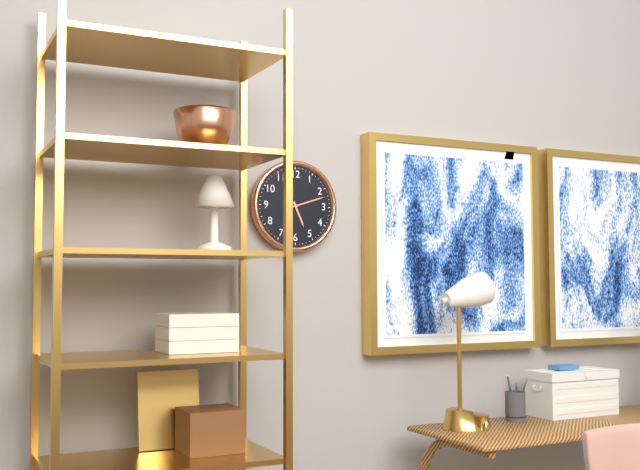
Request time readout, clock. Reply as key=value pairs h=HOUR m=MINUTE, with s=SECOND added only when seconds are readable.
h=5 m=12
